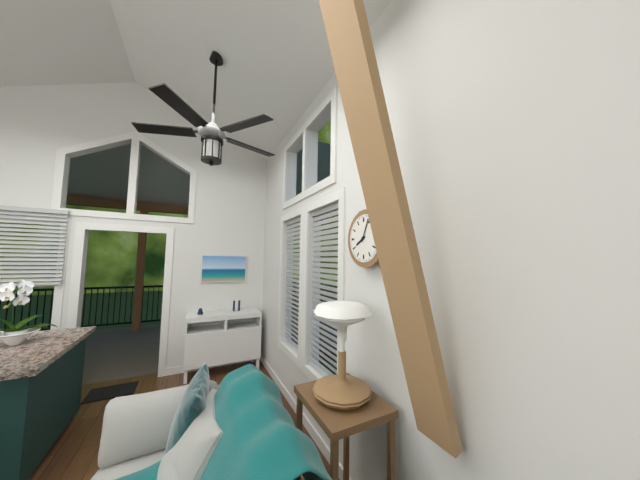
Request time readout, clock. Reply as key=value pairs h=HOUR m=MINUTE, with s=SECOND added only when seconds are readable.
h=8 m=4
